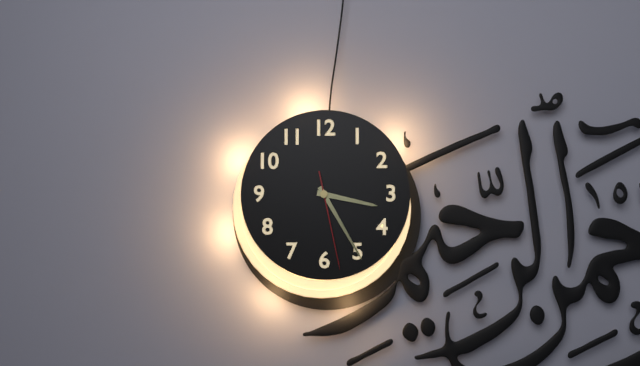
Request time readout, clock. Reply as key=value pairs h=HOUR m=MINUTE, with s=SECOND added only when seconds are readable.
h=3 m=25 s=28
